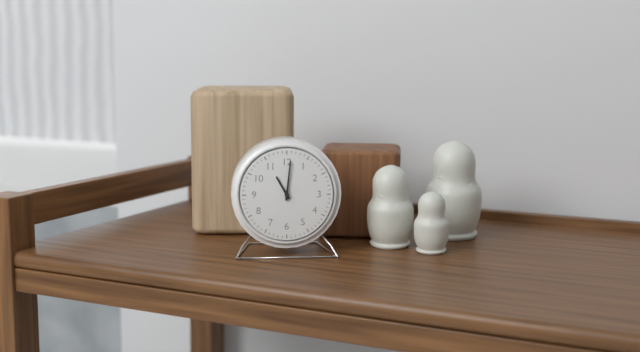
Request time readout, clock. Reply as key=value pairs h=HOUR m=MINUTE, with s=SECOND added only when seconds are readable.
h=11 m=1
